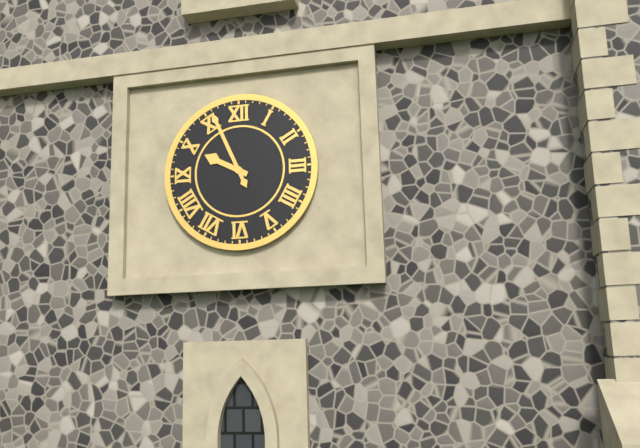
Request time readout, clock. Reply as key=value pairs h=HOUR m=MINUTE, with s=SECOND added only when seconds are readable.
h=9 m=56
